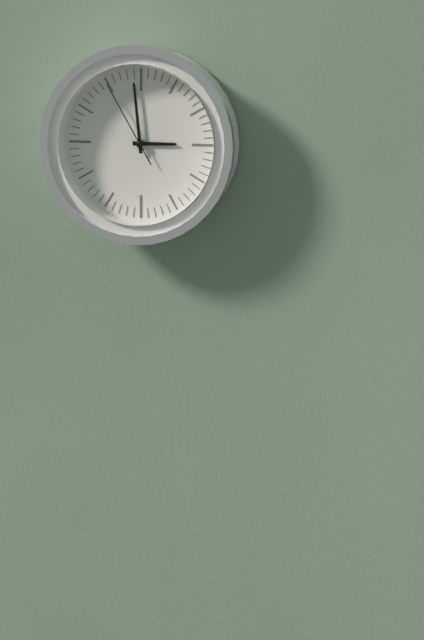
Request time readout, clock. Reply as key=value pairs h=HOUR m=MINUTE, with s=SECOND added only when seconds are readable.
h=2 m=59 s=55
